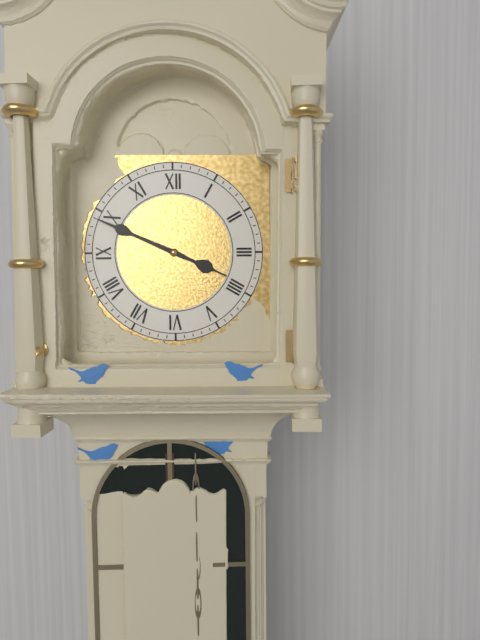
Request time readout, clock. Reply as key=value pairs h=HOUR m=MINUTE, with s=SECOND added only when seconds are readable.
h=3 m=49
